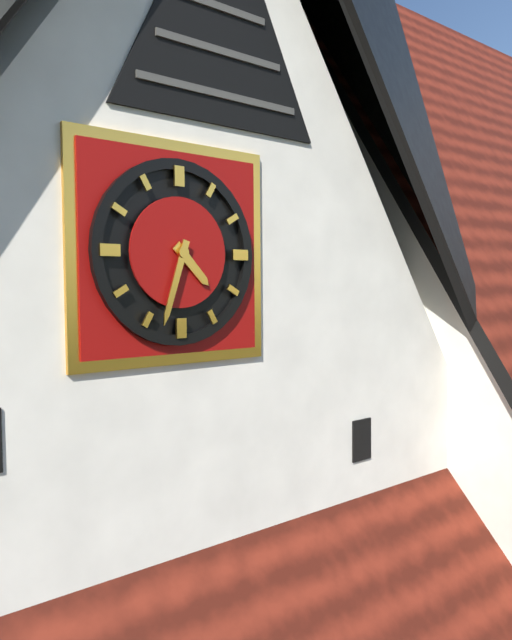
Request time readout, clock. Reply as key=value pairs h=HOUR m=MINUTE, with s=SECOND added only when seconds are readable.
h=4 m=33
